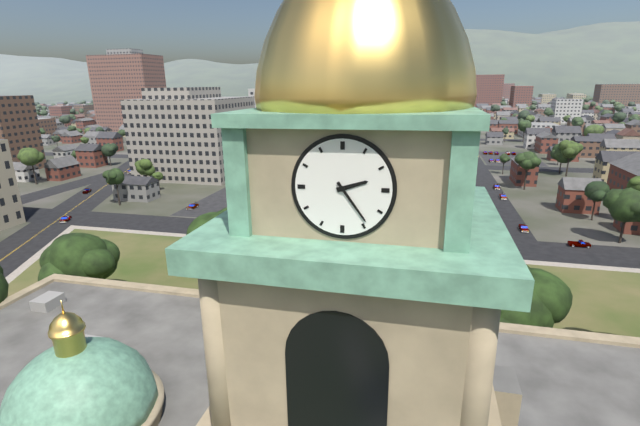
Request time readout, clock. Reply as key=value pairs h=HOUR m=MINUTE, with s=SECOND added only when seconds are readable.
h=2 m=24
